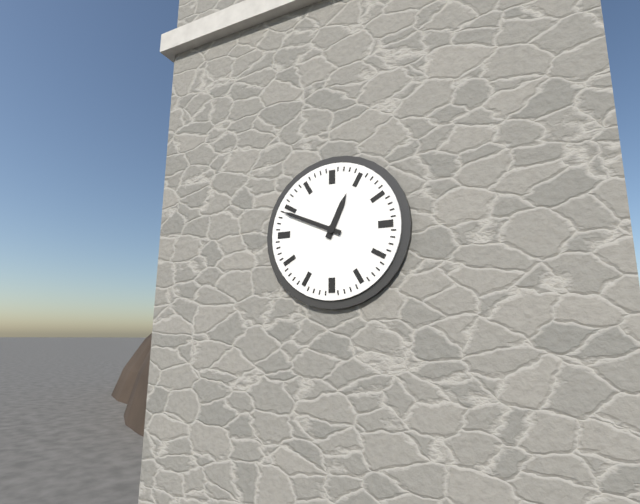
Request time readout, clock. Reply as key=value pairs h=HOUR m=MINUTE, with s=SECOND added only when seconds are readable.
h=12 m=49
